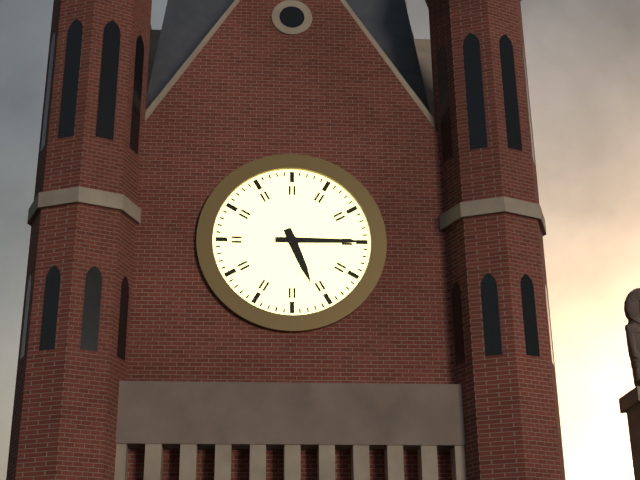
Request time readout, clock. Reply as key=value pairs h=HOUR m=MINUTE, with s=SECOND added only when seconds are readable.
h=5 m=15
